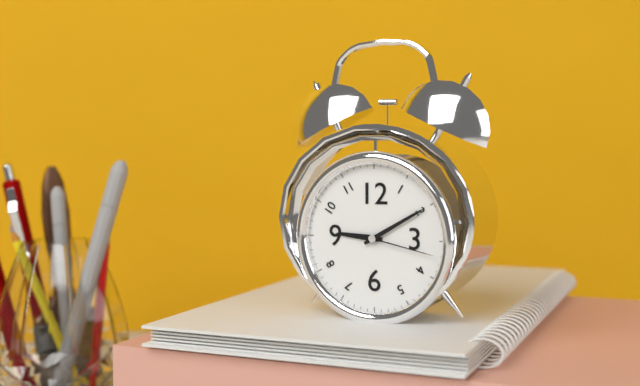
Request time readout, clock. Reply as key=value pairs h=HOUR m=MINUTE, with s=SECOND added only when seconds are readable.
h=9 m=10 s=17
